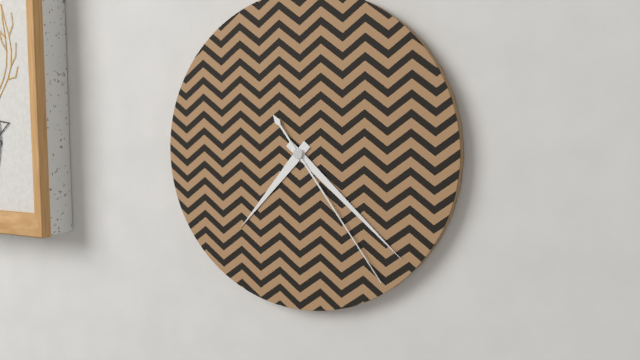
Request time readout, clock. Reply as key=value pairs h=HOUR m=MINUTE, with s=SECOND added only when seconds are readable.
h=7 m=22 s=24
